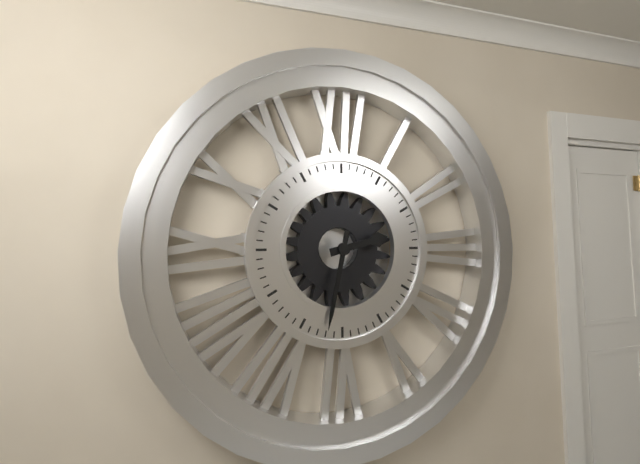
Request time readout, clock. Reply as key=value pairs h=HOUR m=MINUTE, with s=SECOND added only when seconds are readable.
h=2 m=32
